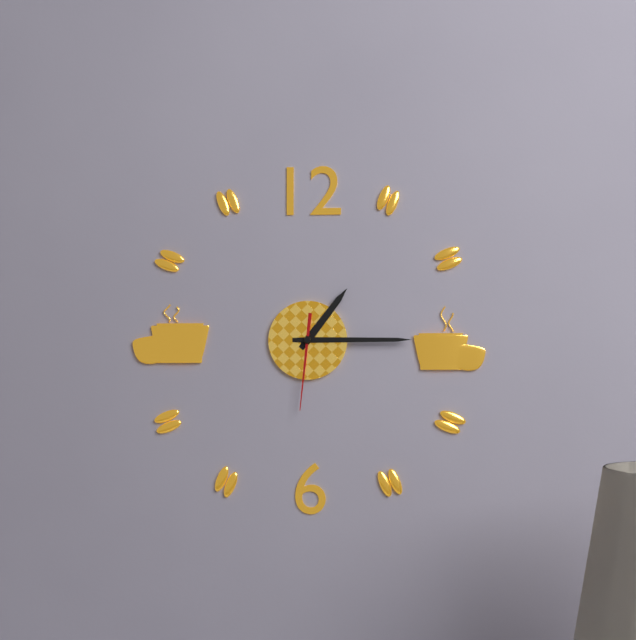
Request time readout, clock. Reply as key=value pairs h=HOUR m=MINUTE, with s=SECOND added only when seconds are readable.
h=1 m=15 s=31
